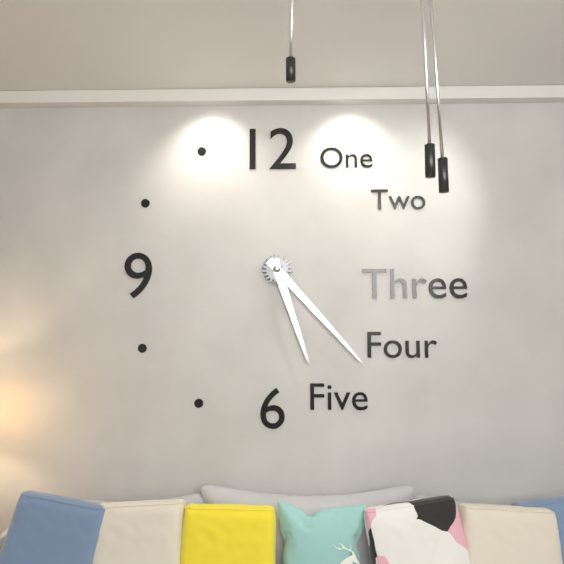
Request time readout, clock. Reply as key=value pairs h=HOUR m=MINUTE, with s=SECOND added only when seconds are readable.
h=5 m=23
